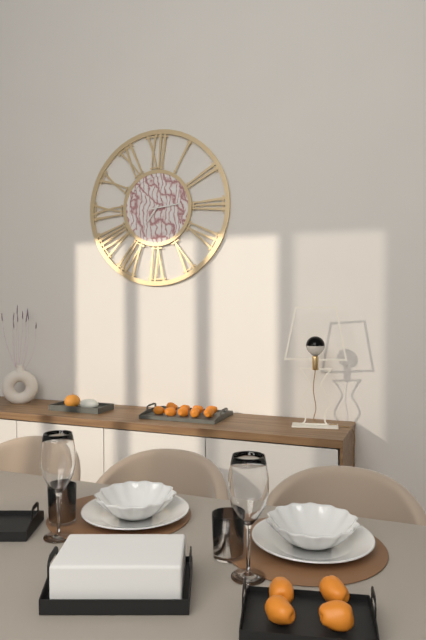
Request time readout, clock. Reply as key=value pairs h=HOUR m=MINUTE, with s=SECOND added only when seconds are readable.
h=7 m=14
